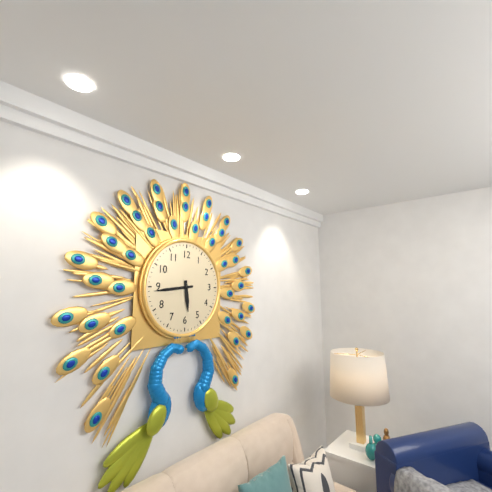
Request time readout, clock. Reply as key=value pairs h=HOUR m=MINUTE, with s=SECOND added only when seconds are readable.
h=5 m=44
